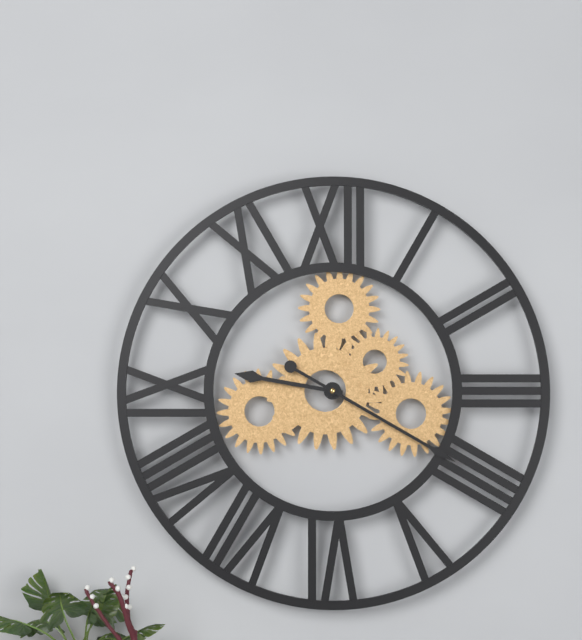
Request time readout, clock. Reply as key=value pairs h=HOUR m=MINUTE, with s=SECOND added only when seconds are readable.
h=9 m=20
